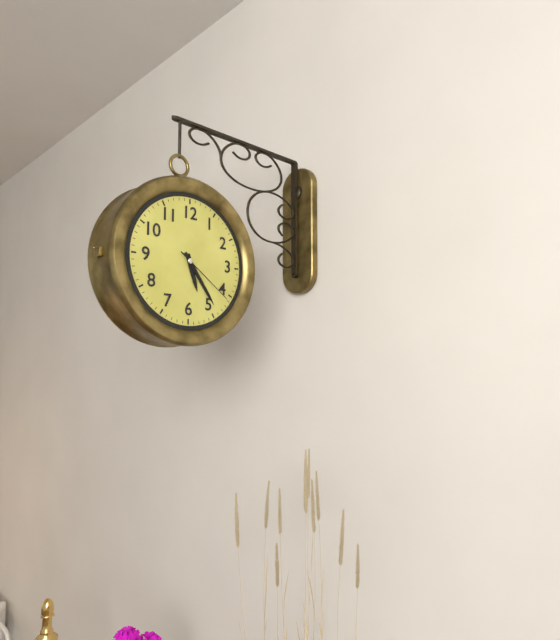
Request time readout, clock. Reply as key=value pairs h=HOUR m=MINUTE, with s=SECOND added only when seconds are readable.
h=5 m=24 s=21
